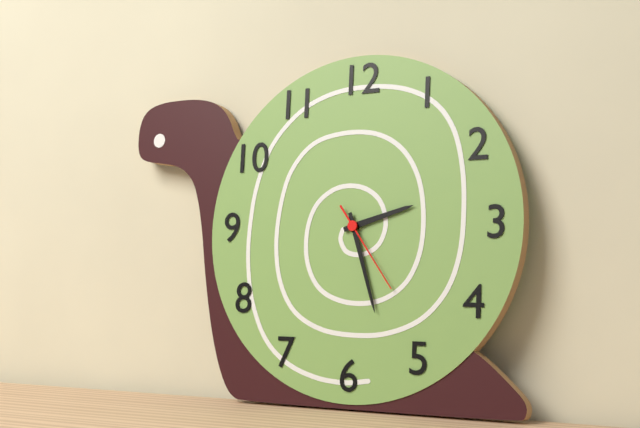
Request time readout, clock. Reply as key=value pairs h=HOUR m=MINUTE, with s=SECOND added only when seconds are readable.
h=2 m=27 s=24
